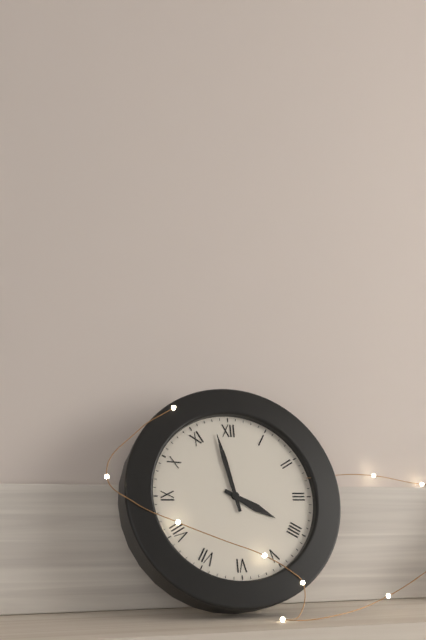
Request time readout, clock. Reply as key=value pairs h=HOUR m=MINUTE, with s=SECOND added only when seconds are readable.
h=3 m=58
